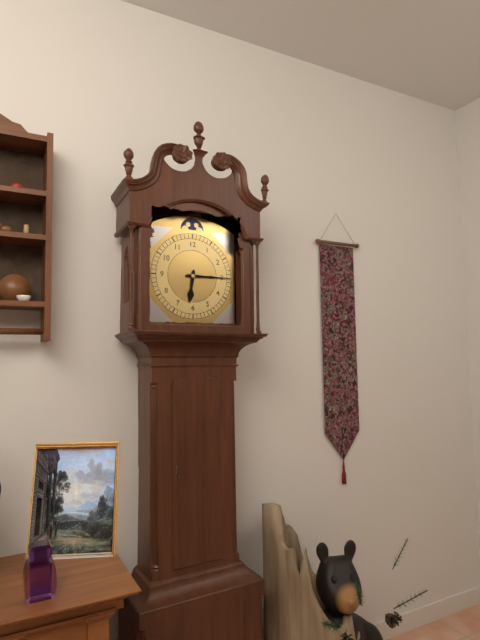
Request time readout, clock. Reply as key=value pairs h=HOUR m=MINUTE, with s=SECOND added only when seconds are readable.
h=6 m=15
